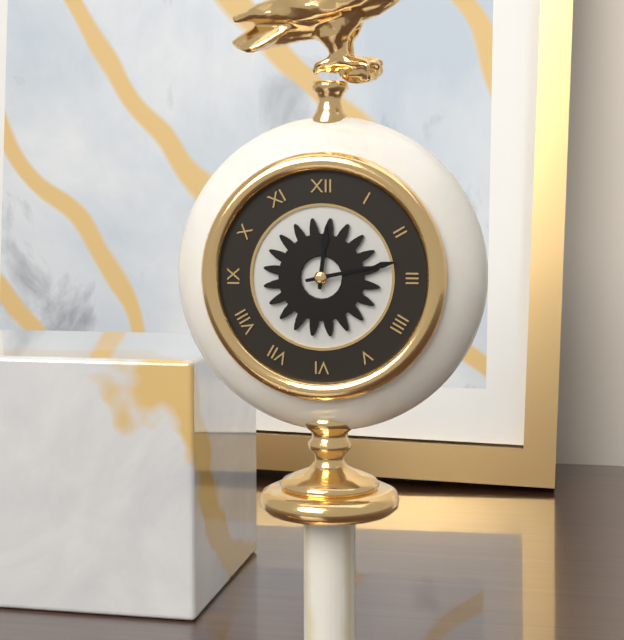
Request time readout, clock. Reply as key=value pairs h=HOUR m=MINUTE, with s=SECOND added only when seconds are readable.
h=12 m=13
